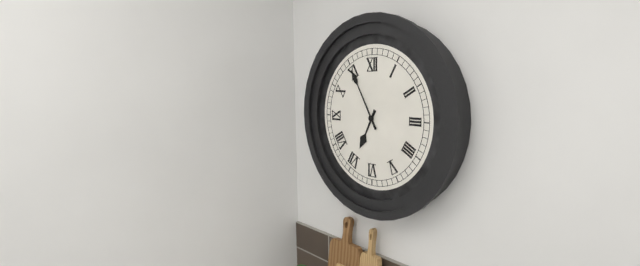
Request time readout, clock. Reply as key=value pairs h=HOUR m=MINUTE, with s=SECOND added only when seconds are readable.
h=6 m=55
